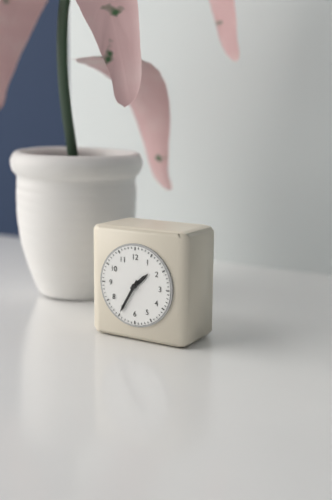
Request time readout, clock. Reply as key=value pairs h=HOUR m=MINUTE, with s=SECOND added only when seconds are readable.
h=1 m=35
